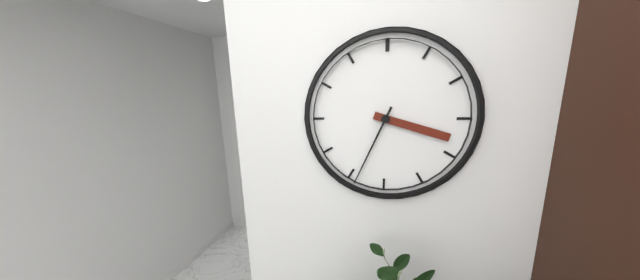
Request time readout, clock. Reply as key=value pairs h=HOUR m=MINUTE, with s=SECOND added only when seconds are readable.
h=3 m=34
